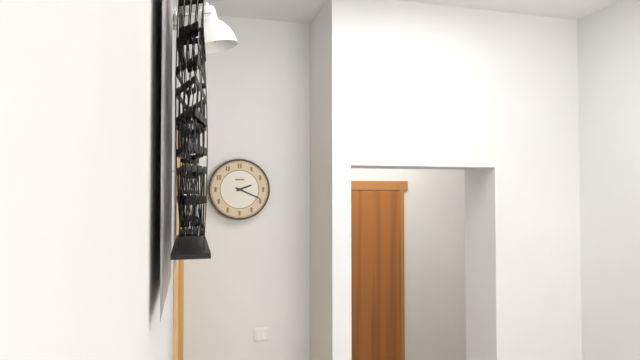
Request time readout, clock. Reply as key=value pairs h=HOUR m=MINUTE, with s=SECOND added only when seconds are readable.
h=2 m=19
